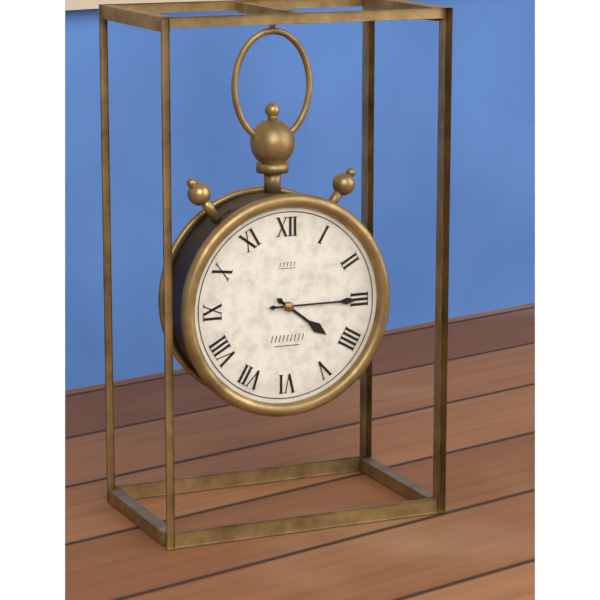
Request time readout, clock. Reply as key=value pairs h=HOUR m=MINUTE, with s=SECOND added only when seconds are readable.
h=4 m=15
